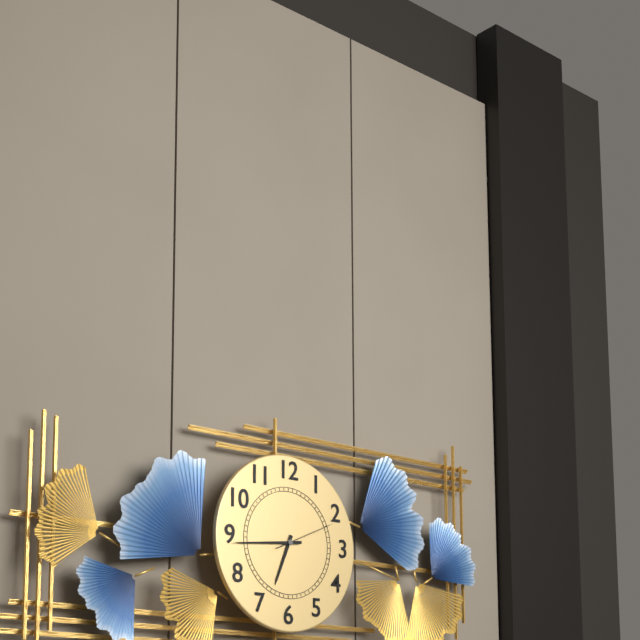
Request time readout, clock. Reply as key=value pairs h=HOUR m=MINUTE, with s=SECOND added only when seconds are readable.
h=6 m=44 s=11
